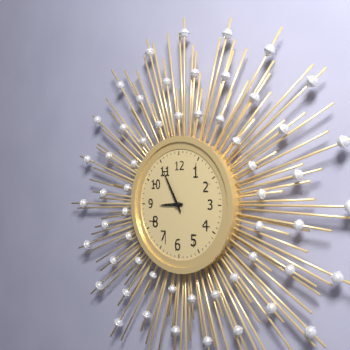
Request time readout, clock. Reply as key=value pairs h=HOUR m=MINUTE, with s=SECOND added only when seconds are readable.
h=8 m=55
